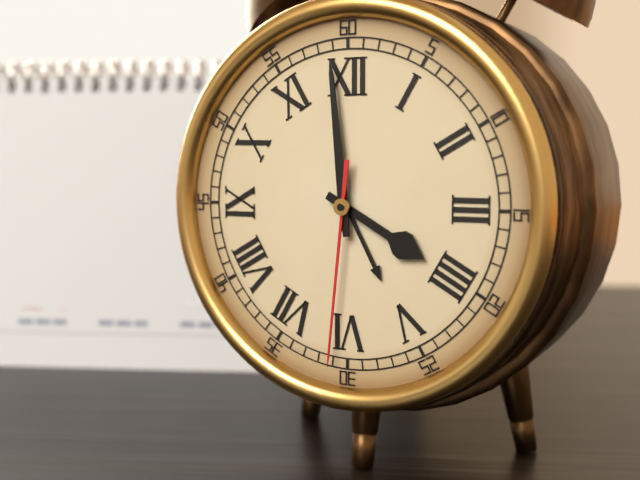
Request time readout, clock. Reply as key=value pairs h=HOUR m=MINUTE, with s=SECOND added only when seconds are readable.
h=3 m=59 s=31
